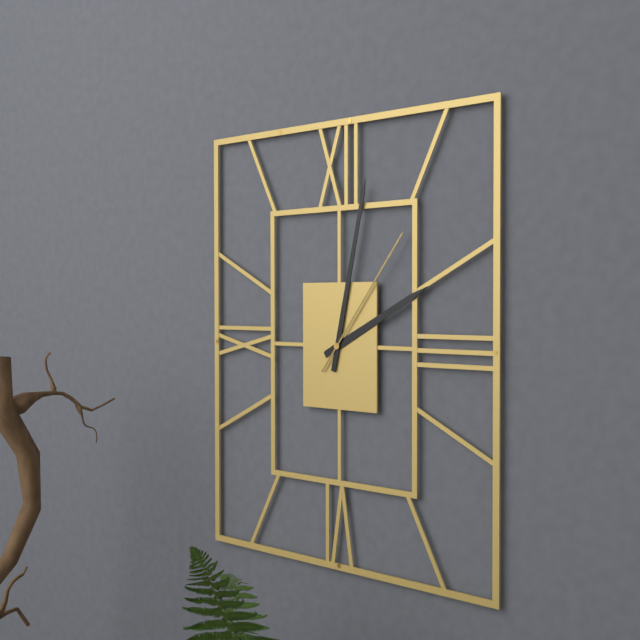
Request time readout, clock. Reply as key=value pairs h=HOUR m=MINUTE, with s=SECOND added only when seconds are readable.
h=2 m=2 s=6
